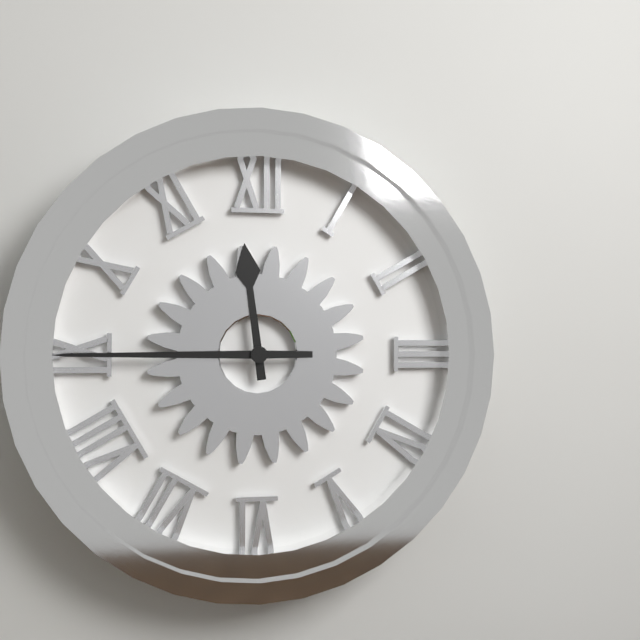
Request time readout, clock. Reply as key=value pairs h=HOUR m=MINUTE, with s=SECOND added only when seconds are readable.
h=11 m=45
